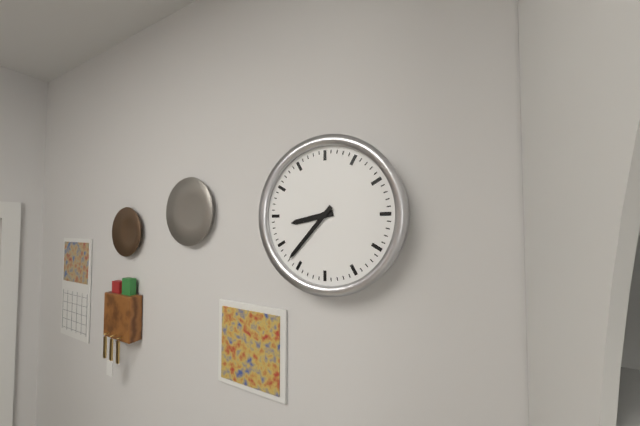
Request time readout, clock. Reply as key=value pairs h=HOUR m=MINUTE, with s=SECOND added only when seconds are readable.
h=8 m=37
